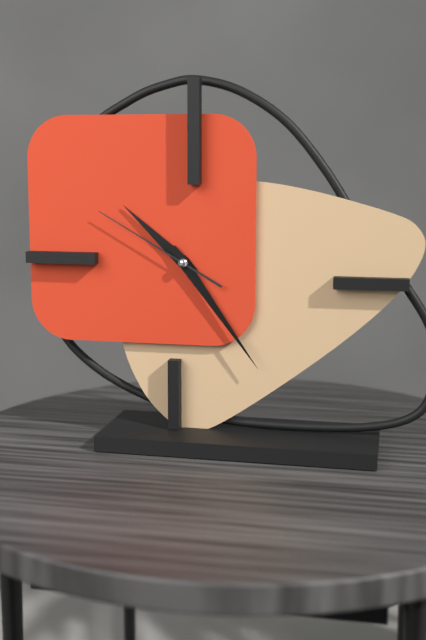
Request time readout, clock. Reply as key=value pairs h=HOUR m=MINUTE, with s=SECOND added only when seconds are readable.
h=10 m=24 s=50
